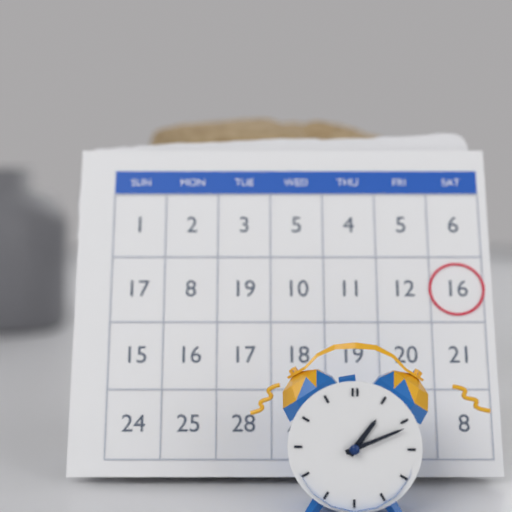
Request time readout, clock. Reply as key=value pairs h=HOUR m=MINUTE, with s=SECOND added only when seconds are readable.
h=1 m=11
